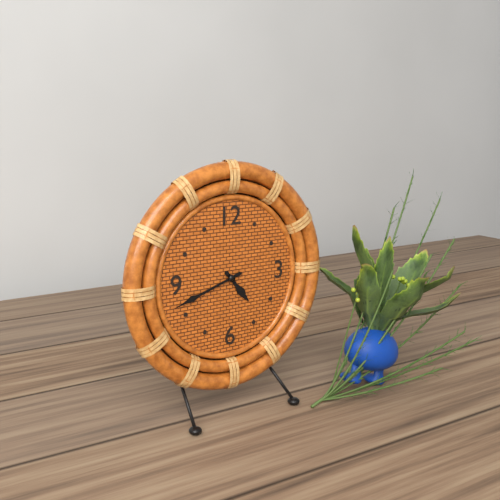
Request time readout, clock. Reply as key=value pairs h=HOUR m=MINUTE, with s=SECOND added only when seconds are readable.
h=4 m=42
